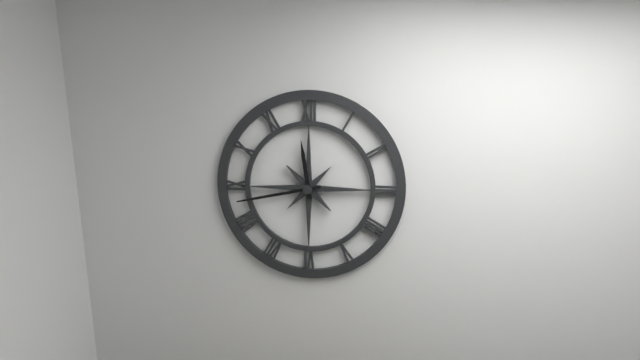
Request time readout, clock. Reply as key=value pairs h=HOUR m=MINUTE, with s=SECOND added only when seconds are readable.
h=11 m=43
